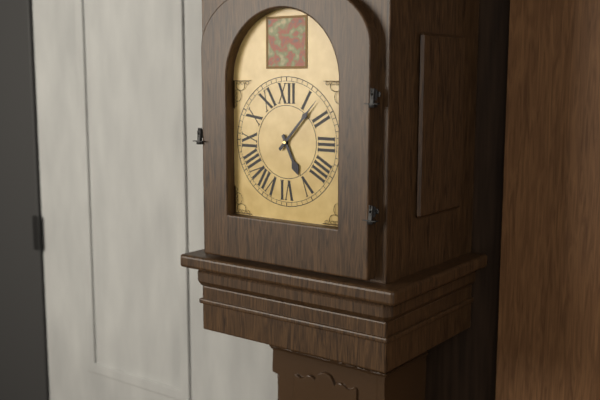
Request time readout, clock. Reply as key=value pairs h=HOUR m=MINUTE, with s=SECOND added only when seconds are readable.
h=5 m=7
